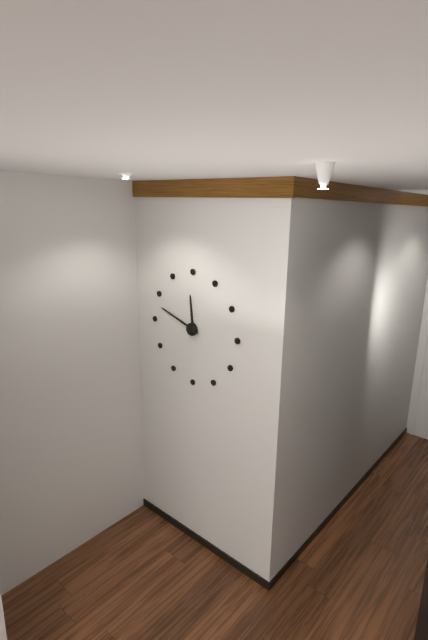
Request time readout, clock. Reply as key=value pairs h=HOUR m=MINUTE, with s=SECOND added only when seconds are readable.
h=11 m=48
